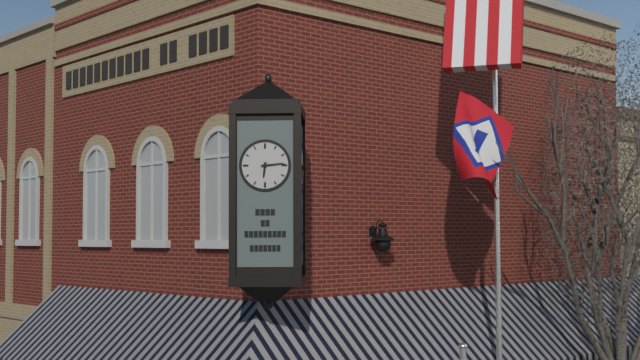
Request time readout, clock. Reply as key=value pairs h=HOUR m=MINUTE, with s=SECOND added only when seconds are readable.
h=6 m=14
